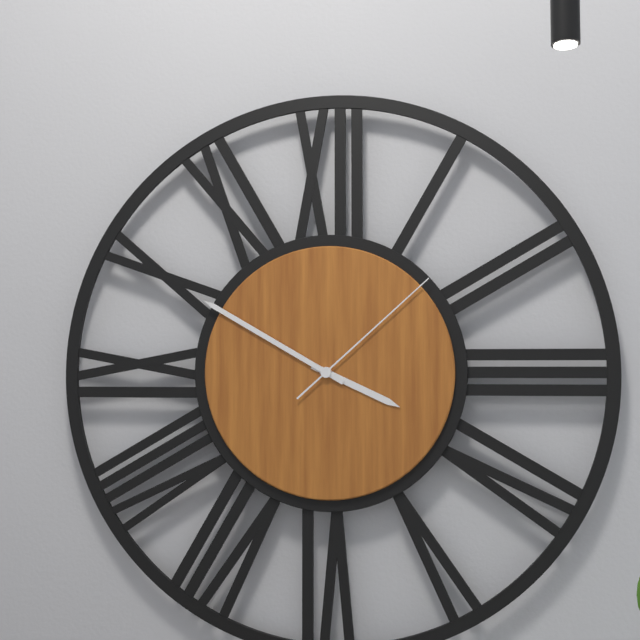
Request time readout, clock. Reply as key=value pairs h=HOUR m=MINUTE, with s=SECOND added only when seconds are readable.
h=3 m=50 s=8
